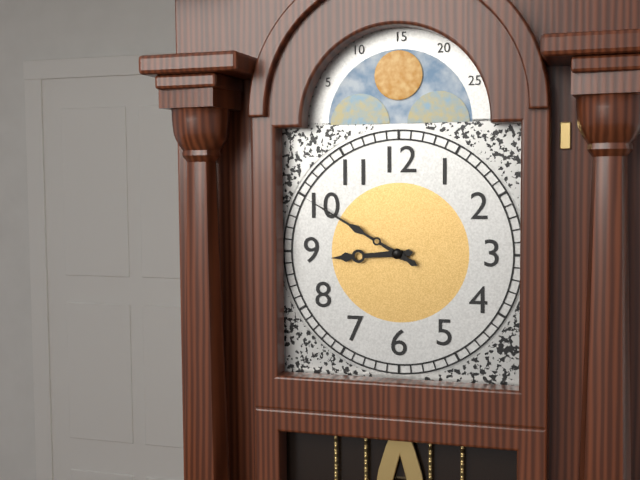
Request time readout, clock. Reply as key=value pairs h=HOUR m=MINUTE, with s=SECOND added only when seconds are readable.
h=8 m=50
